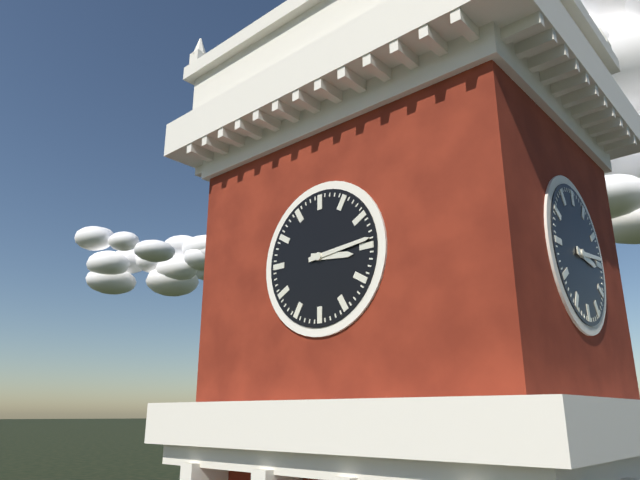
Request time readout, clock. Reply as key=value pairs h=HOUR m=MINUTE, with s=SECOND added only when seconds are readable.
h=3 m=14
